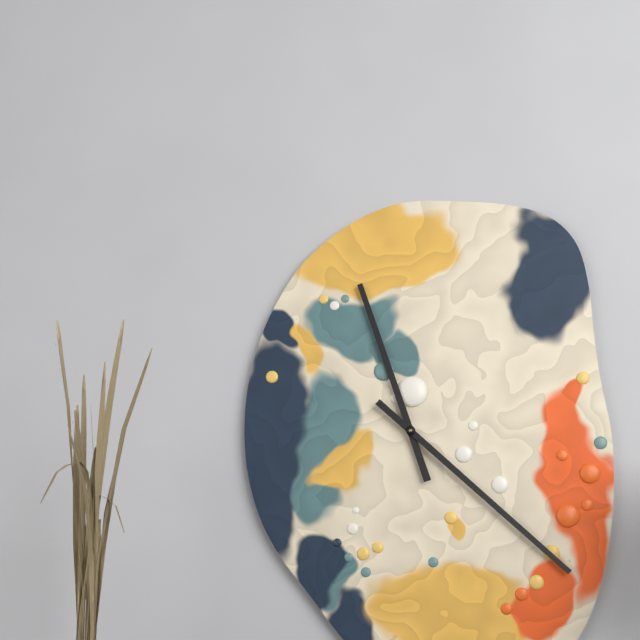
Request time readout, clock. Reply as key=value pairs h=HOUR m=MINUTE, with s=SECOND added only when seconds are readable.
h=11 m=22
